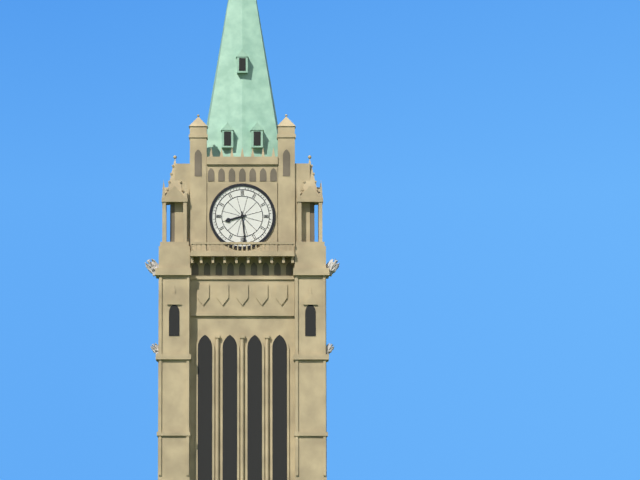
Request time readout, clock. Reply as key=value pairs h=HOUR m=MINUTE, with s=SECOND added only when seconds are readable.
h=8 m=29
